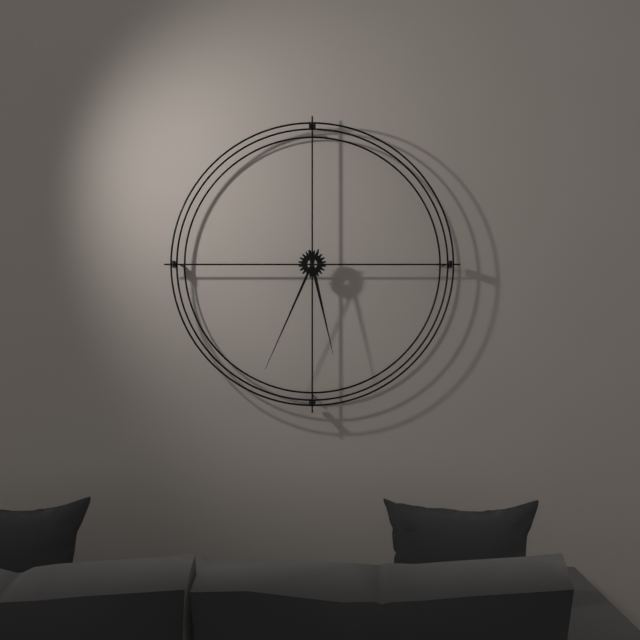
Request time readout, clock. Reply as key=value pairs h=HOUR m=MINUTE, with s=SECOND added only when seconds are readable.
h=5 m=34
